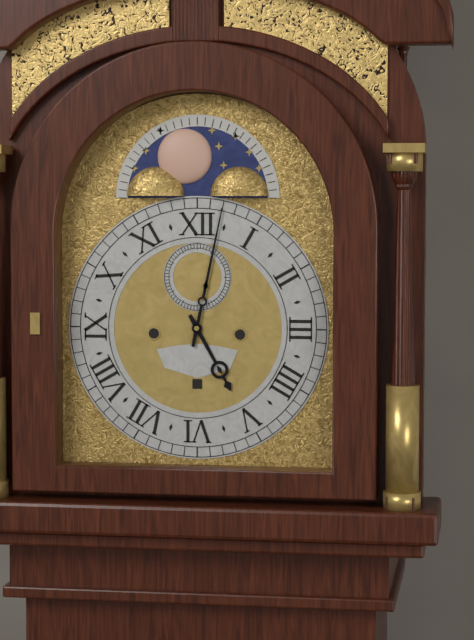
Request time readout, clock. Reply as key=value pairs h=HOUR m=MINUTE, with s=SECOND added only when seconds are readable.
h=5 m=2
